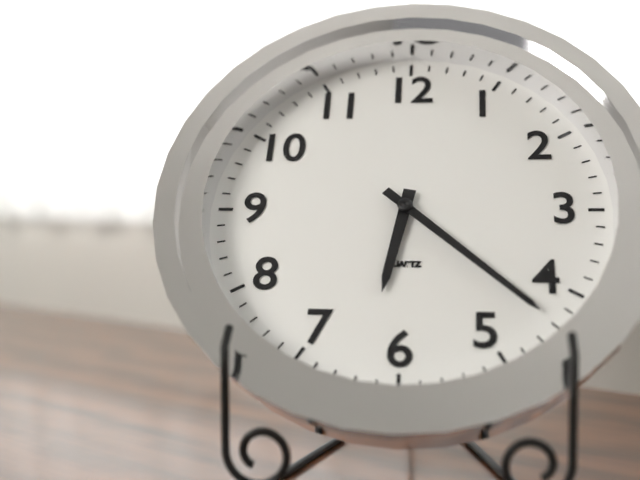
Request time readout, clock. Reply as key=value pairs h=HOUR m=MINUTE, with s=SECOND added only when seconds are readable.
h=6 m=22
